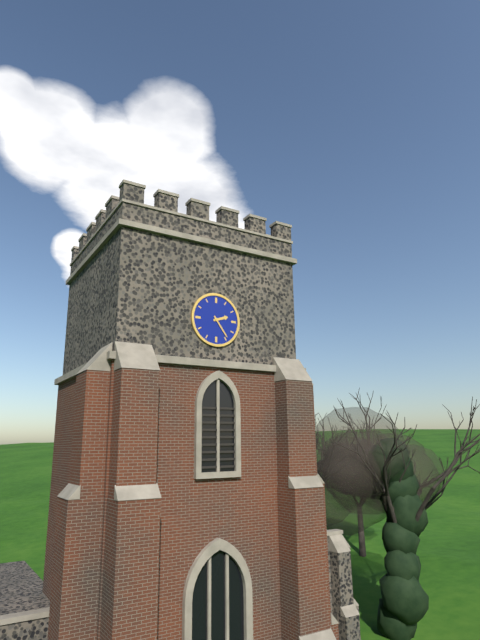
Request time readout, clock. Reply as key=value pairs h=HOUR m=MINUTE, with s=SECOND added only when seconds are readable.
h=2 m=24
